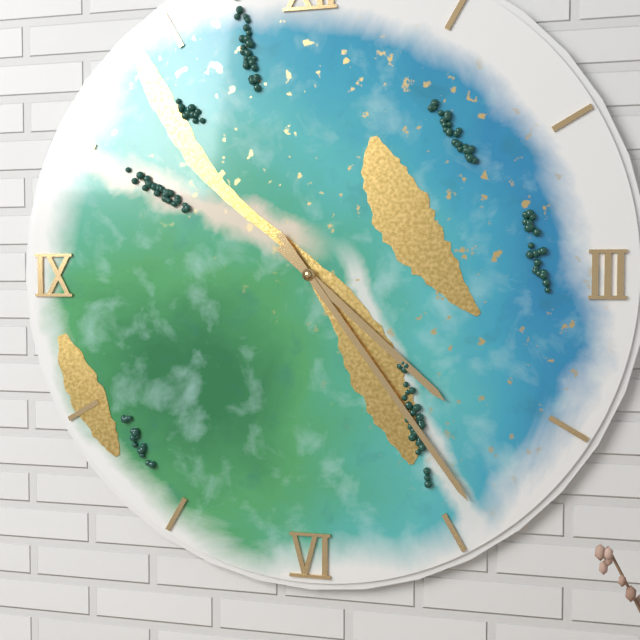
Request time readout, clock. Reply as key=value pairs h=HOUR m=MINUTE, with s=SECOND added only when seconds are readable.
h=4 m=24
